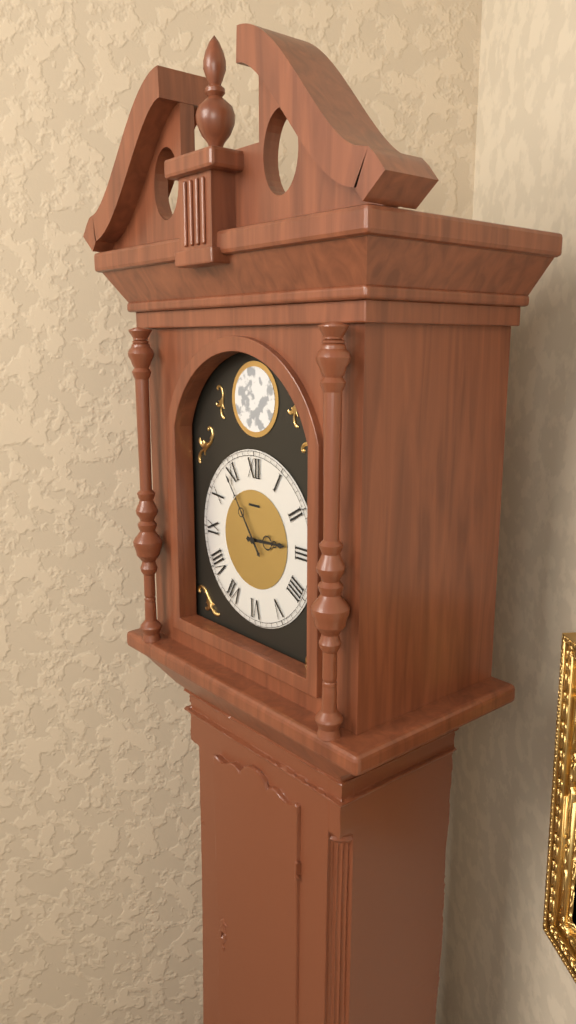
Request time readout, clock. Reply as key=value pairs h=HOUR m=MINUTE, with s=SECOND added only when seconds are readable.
h=2 m=54
